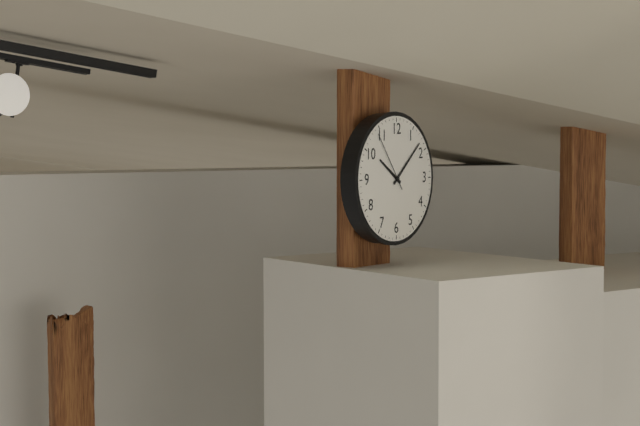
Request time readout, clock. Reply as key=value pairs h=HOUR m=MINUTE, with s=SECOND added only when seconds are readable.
h=10 m=8 s=54
